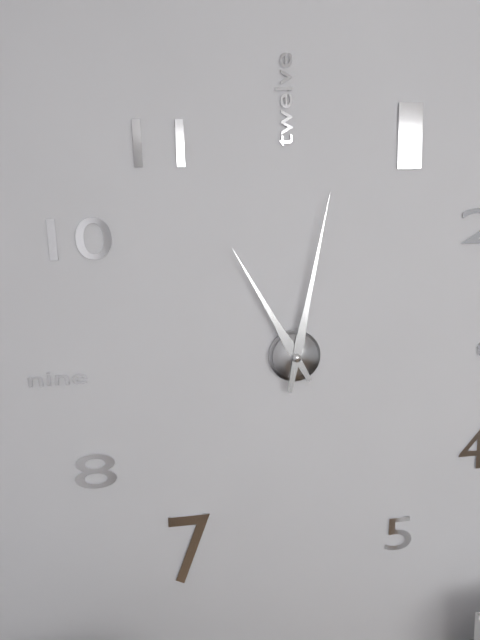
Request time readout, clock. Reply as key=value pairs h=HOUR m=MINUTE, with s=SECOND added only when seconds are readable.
h=11 m=2
